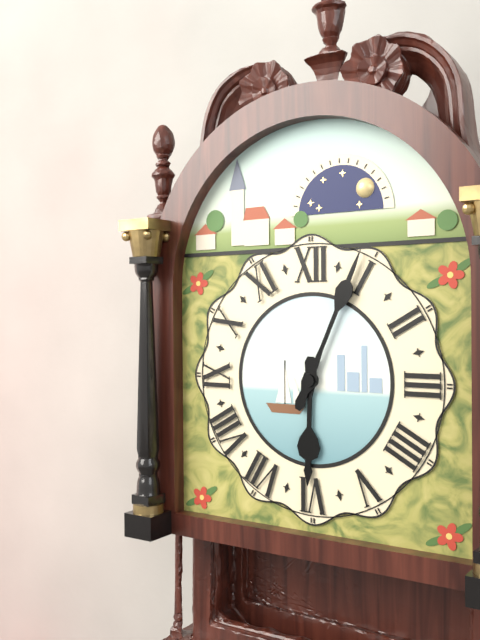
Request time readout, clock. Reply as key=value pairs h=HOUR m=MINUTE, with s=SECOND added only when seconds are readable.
h=6 m=4
